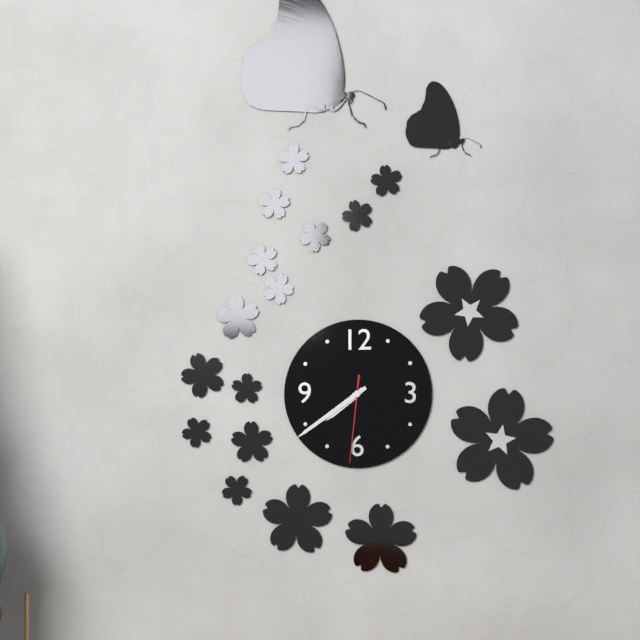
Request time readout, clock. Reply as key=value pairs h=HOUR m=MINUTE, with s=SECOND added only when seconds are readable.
h=7 m=39 s=31
